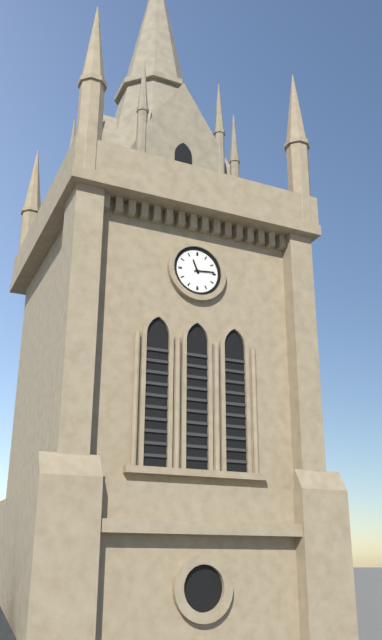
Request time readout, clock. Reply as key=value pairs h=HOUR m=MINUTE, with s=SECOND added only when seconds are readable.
h=11 m=14
